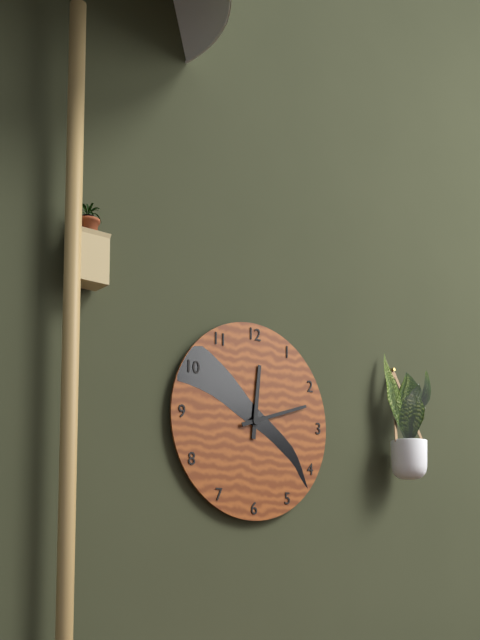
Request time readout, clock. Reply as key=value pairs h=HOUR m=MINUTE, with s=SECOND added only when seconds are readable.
h=12 m=12
